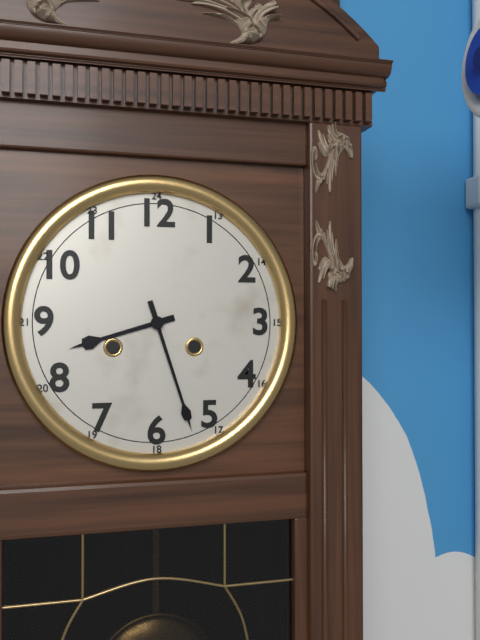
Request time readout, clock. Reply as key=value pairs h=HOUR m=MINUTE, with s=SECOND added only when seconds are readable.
h=8 m=27
